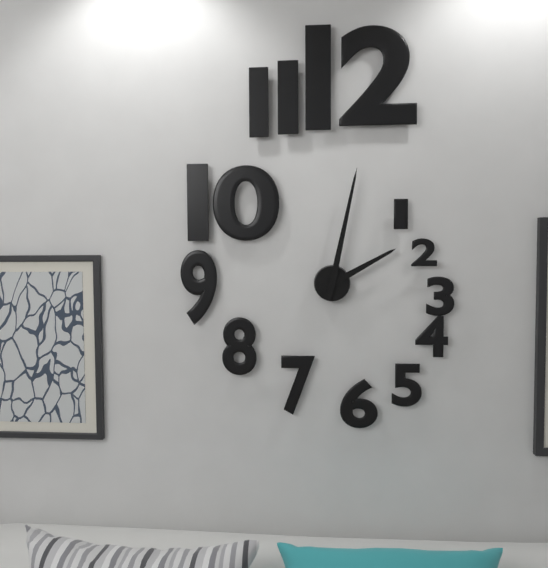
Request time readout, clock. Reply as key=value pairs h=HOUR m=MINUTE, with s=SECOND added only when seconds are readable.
h=2 m=2
